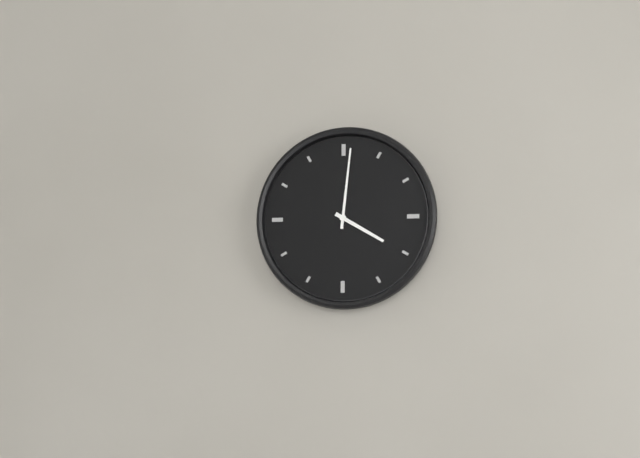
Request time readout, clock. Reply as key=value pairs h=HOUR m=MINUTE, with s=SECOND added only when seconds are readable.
h=4 m=1
